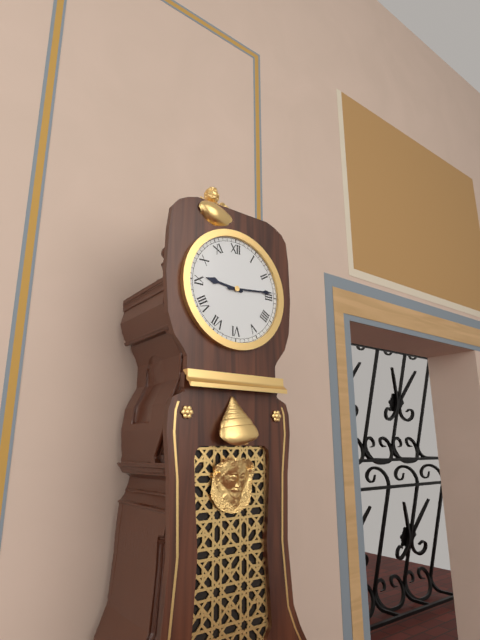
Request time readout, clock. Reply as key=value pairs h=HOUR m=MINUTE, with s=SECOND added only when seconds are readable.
h=9 m=14
